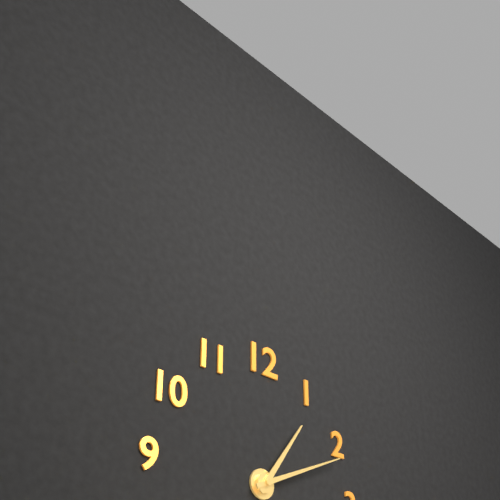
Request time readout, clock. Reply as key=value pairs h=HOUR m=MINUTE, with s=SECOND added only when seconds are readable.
h=1 m=11
